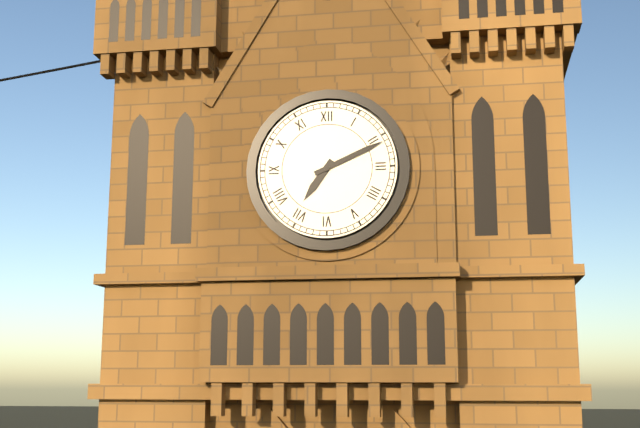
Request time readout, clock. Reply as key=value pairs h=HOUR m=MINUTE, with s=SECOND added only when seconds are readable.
h=7 m=11
